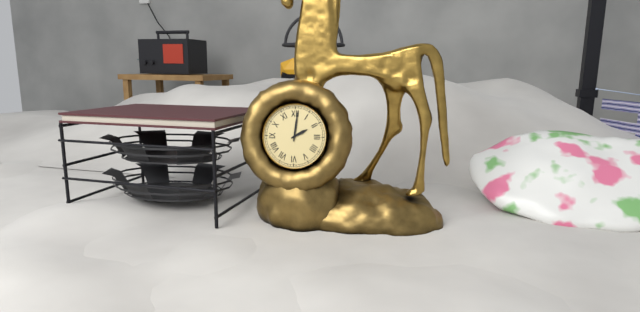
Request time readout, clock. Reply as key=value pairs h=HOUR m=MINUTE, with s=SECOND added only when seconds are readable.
h=2 m=1
